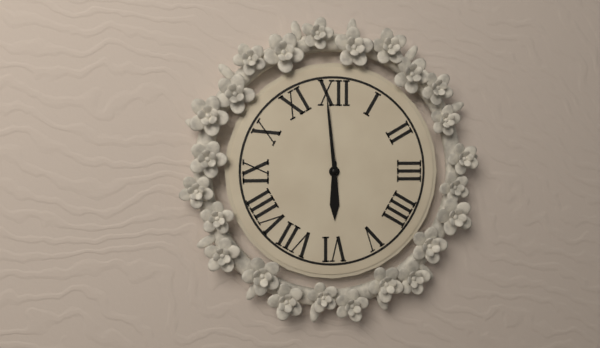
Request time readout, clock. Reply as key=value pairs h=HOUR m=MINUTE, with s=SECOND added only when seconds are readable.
h=5 m=59
